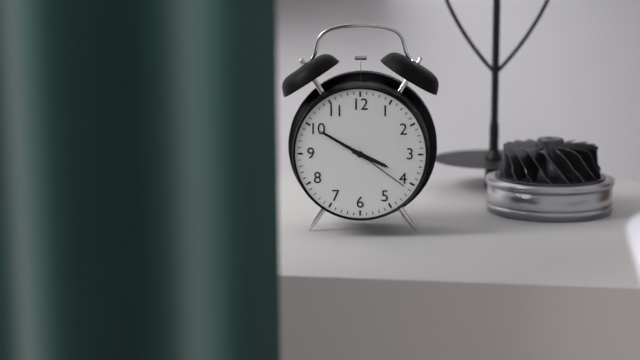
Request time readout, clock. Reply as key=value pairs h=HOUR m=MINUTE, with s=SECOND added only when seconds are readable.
h=3 m=50 s=21
